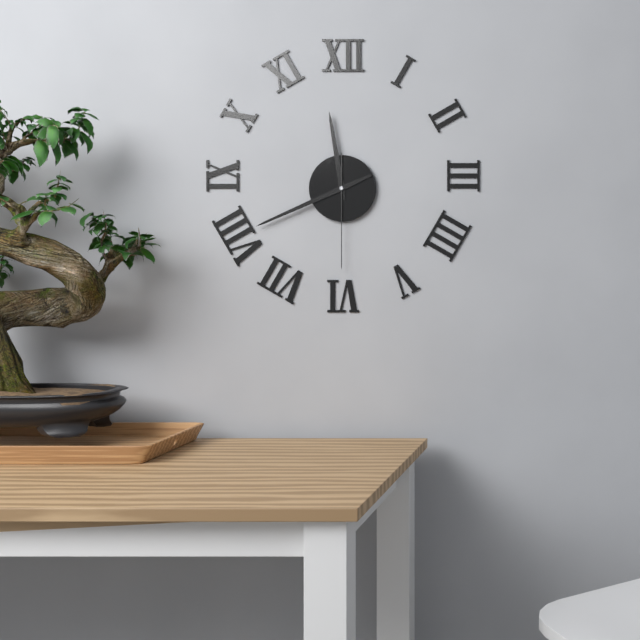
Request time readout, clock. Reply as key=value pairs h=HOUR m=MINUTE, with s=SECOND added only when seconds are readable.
h=11 m=41 s=30
